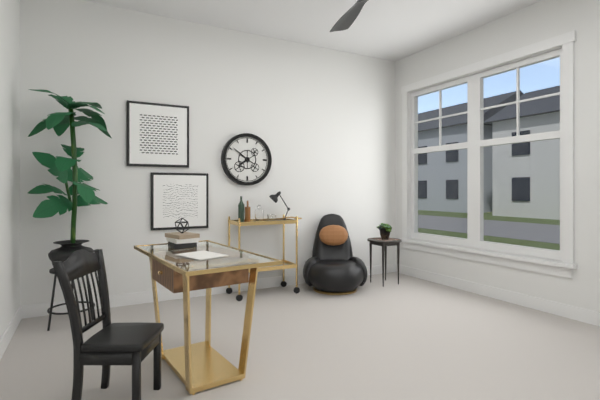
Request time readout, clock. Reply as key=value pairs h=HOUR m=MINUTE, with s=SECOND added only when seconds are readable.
h=7 m=51
